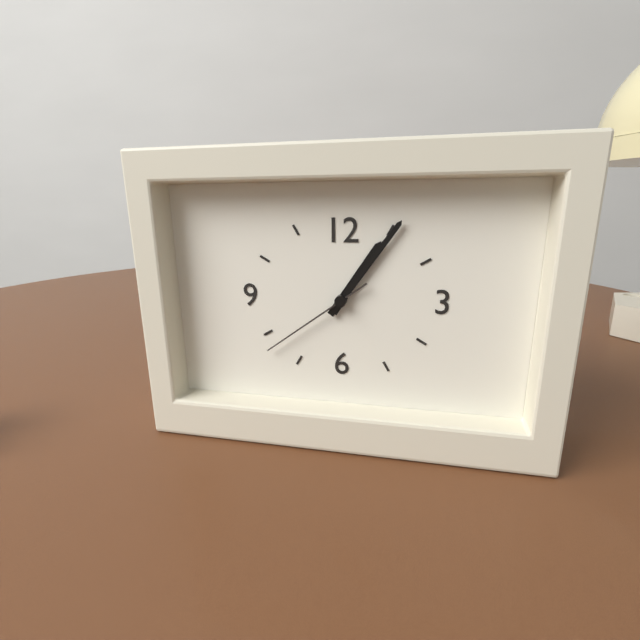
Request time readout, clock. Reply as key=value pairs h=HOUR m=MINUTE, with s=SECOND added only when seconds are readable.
h=1 m=6 s=39
